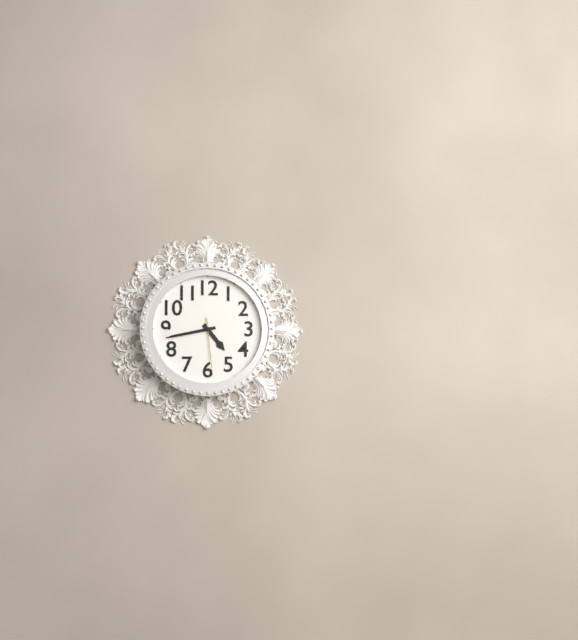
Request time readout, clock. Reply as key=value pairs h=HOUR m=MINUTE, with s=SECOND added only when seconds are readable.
h=4 m=43 s=29
